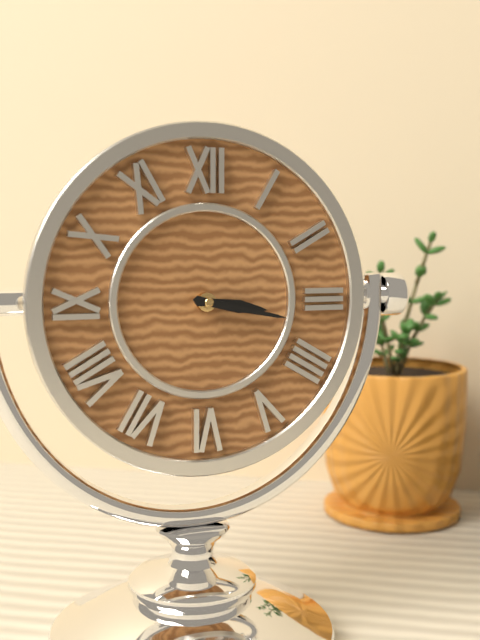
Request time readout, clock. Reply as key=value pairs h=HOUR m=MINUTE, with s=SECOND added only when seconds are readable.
h=3 m=17
